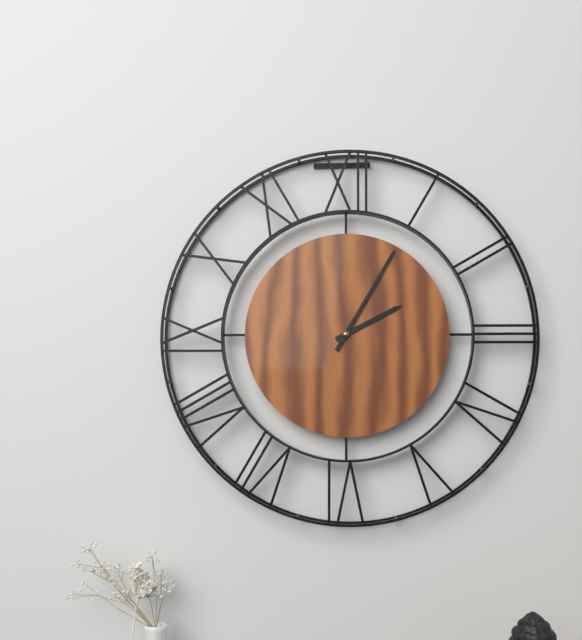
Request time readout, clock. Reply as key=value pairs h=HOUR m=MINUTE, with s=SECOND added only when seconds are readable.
h=2 m=5
